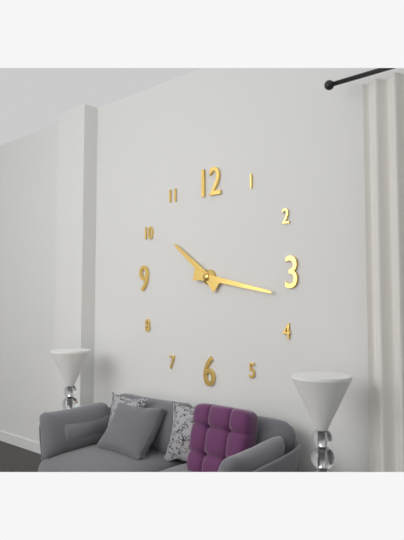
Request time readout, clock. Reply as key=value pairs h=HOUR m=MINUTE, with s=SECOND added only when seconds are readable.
h=10 m=17
